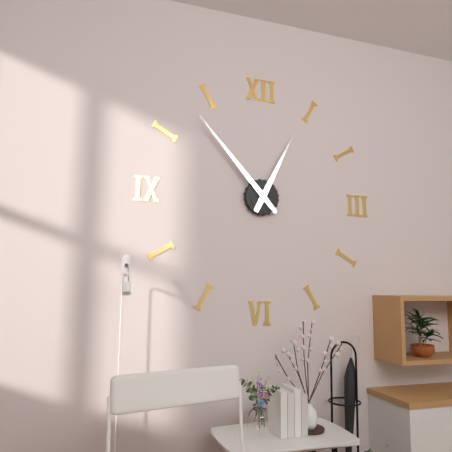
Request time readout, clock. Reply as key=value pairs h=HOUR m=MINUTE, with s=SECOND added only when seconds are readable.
h=12 m=53
